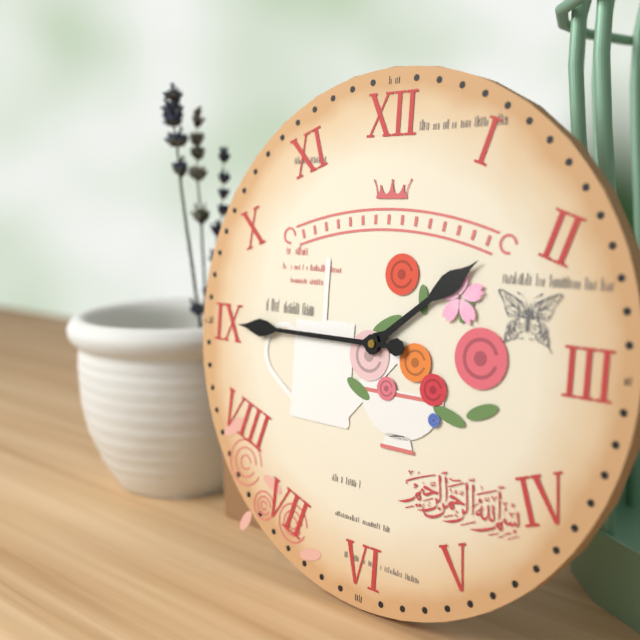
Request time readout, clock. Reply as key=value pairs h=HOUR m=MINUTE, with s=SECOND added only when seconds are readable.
h=1 m=45
